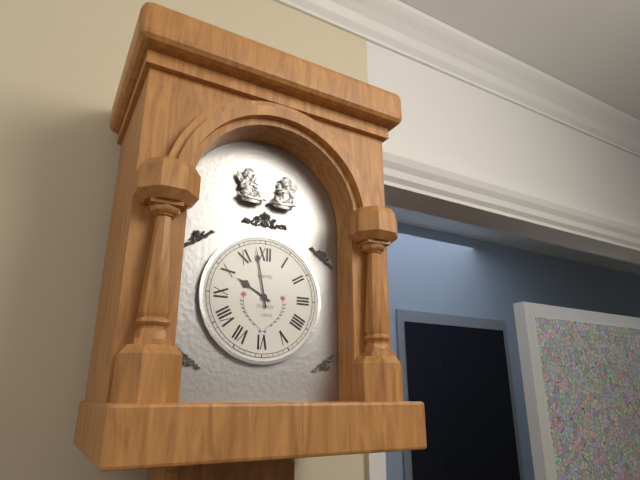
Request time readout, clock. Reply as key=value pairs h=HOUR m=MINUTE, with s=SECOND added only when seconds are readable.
h=9 m=58
